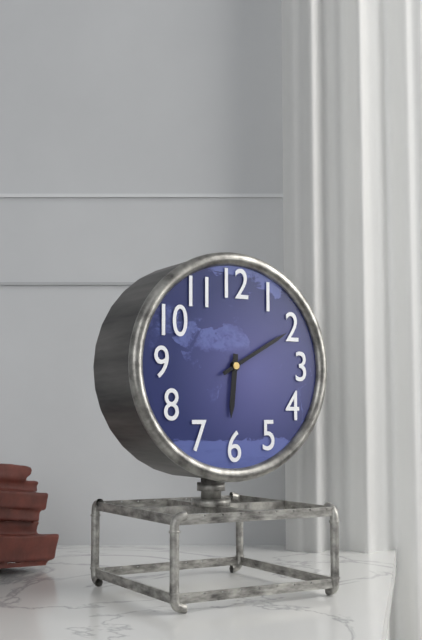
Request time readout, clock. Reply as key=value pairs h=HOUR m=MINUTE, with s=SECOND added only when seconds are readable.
h=6 m=10
